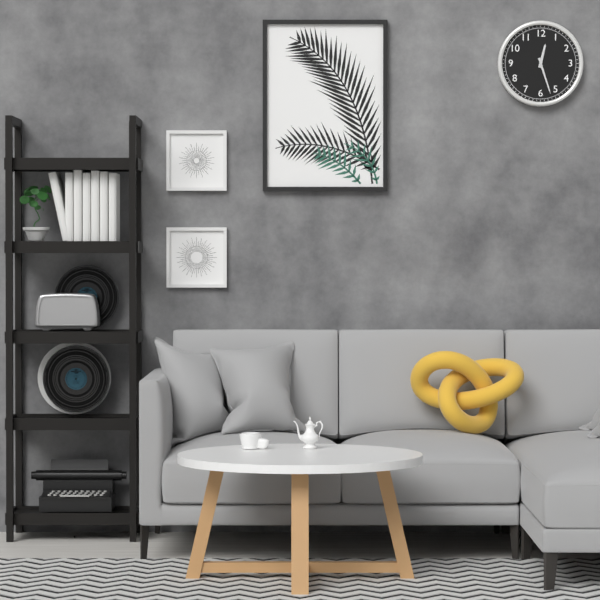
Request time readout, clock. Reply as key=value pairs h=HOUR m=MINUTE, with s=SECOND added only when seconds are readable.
h=12 m=27
